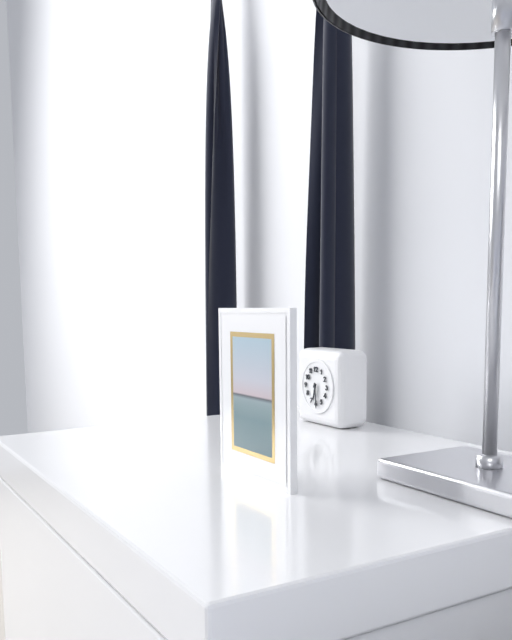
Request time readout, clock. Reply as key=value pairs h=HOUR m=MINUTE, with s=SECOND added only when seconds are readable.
h=6 m=29
